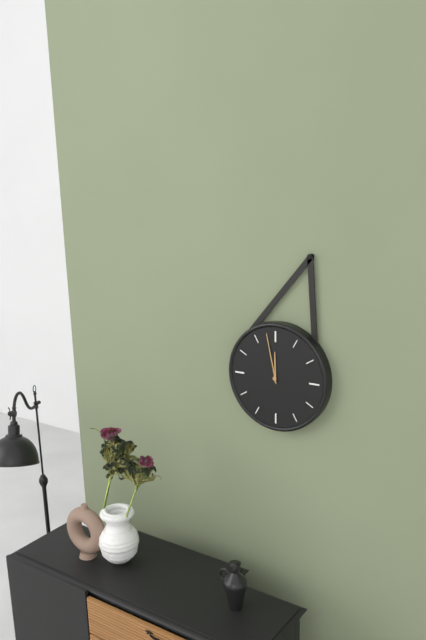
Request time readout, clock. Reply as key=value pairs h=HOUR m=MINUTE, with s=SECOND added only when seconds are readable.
h=11 m=58
